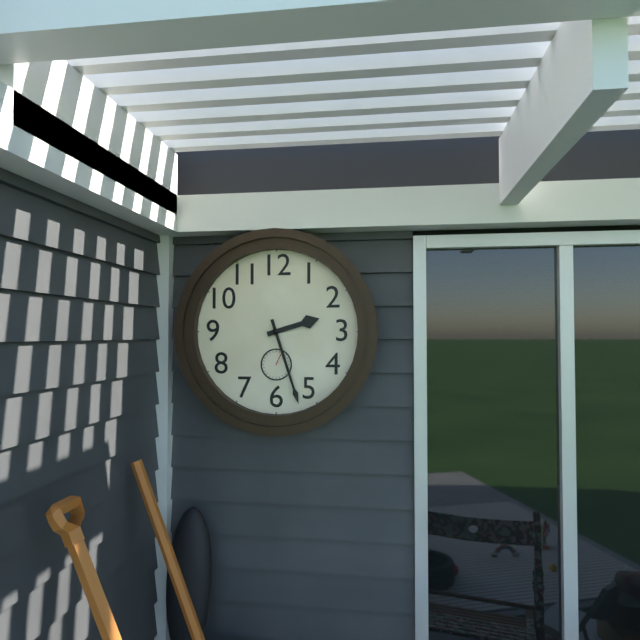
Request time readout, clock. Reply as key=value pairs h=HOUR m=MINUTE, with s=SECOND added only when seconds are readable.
h=2 m=27
